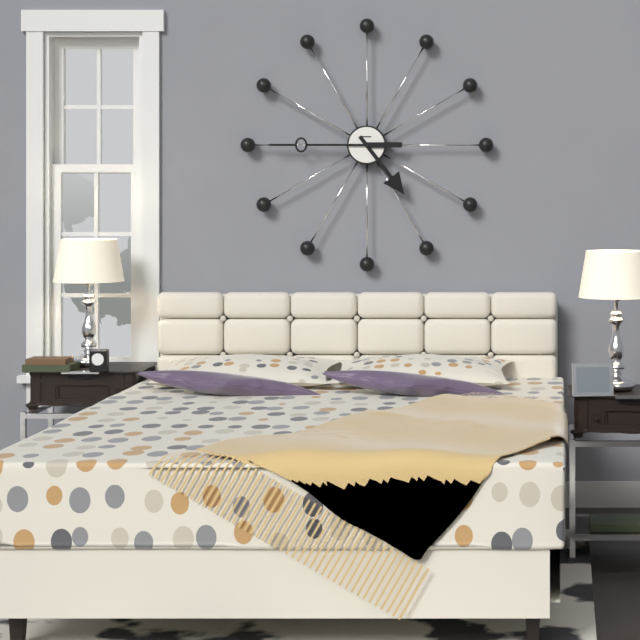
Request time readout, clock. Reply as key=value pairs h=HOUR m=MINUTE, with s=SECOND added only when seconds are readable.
h=4 m=45
